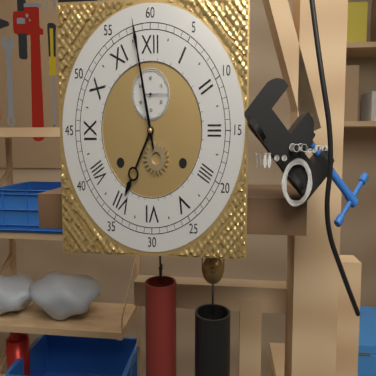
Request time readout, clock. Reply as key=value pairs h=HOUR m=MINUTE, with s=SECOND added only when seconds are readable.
h=6 m=58
